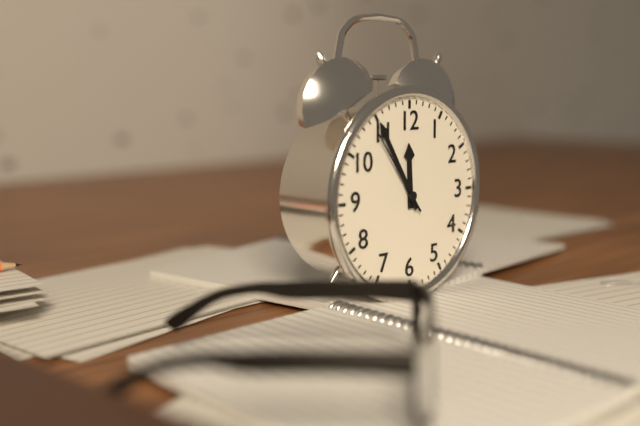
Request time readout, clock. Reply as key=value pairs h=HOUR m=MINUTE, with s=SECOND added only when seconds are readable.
h=11 m=55 s=54
